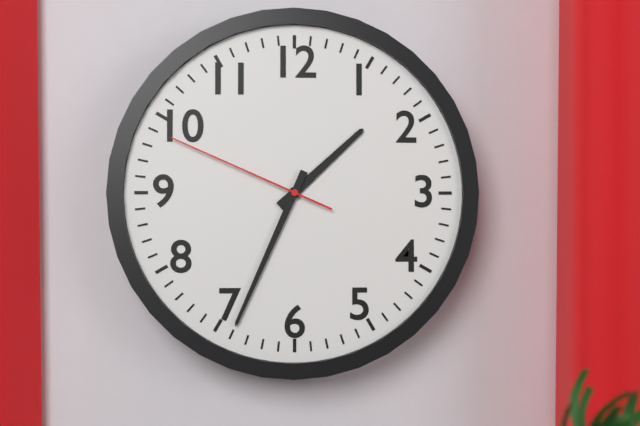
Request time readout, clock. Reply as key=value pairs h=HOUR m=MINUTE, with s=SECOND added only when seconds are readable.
h=1 m=34 s=49
